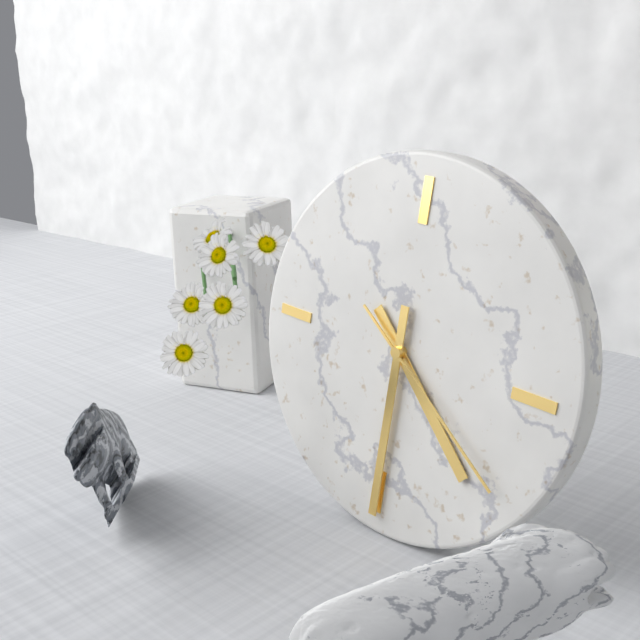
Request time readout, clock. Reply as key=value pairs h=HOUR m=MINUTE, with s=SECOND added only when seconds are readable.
h=4 m=30 s=21
